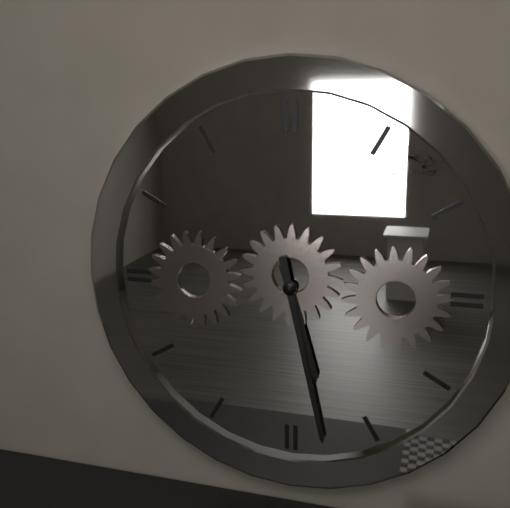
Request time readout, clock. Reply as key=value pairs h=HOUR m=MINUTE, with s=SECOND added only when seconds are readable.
h=5 m=28
